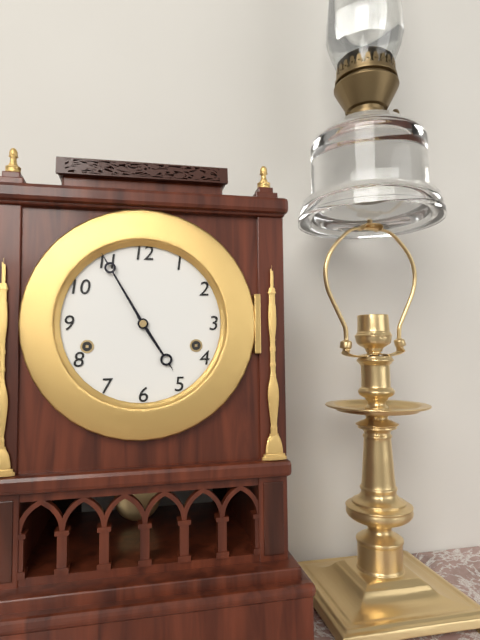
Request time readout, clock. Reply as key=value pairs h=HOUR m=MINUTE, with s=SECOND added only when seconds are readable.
h=4 m=55
